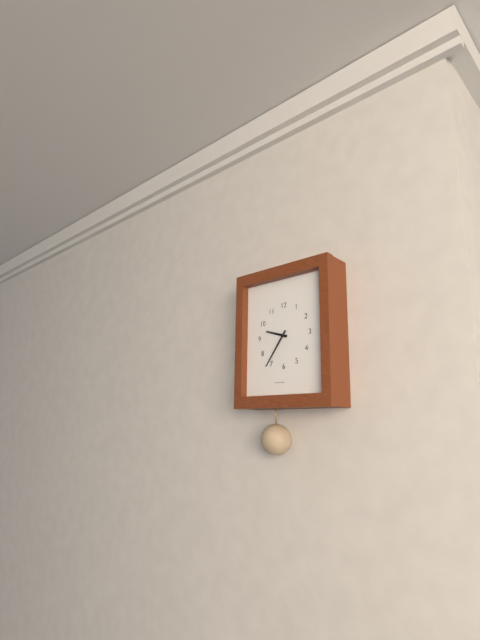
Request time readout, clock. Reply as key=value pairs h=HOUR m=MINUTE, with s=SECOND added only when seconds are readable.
h=9 m=36
